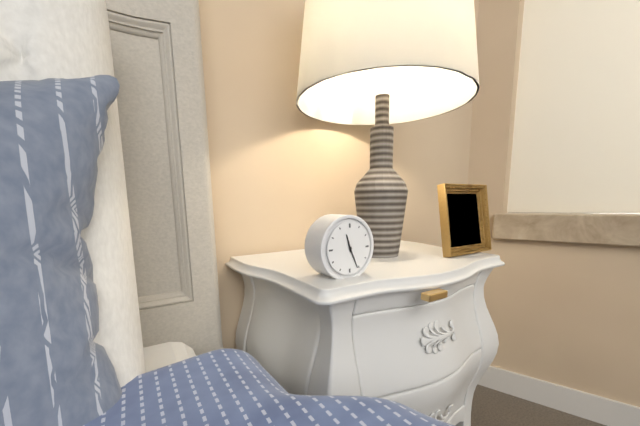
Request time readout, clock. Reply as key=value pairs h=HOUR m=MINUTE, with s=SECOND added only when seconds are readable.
h=11 m=26
